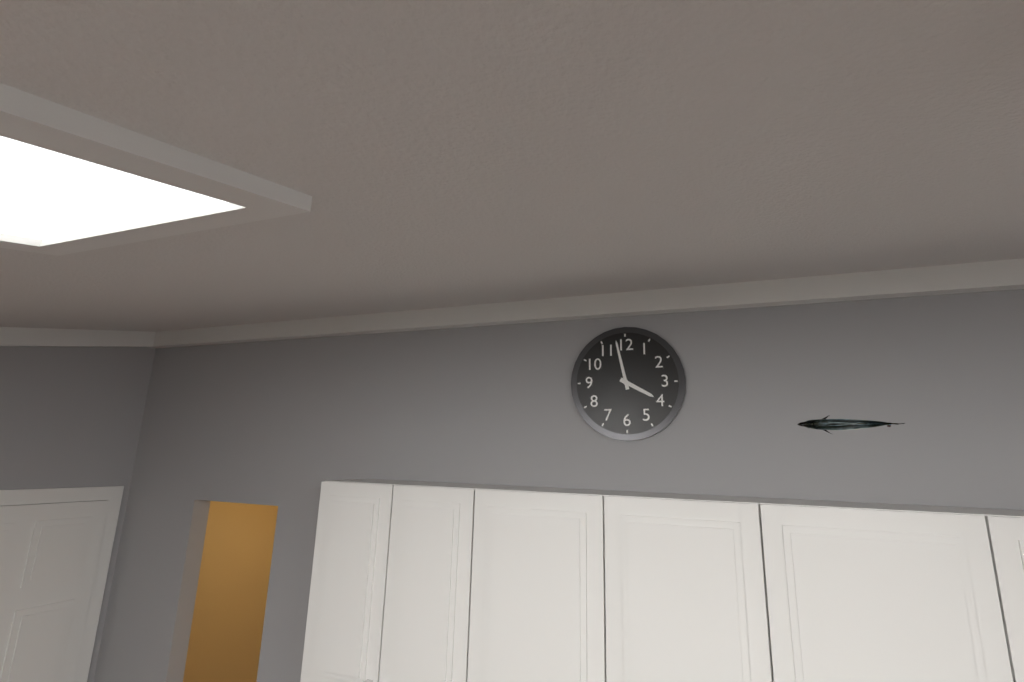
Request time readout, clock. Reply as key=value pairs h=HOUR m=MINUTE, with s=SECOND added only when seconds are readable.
h=3 m=58
